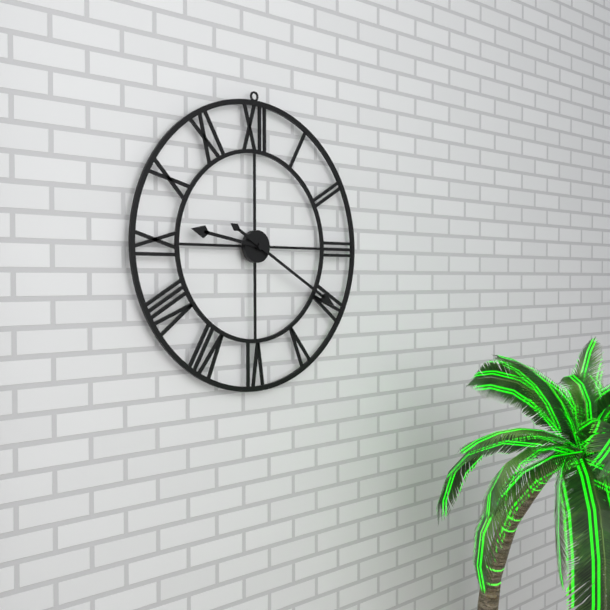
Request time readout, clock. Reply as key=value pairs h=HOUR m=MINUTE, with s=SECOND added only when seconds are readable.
h=9 m=20
